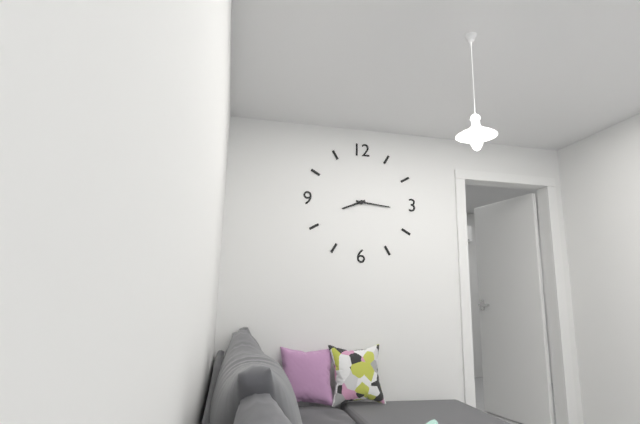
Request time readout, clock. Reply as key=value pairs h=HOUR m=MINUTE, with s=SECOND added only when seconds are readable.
h=8 m=16
